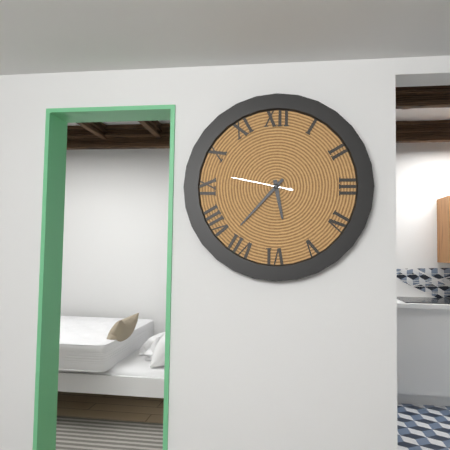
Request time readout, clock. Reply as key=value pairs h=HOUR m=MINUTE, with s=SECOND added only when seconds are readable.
h=5 m=37 s=47
